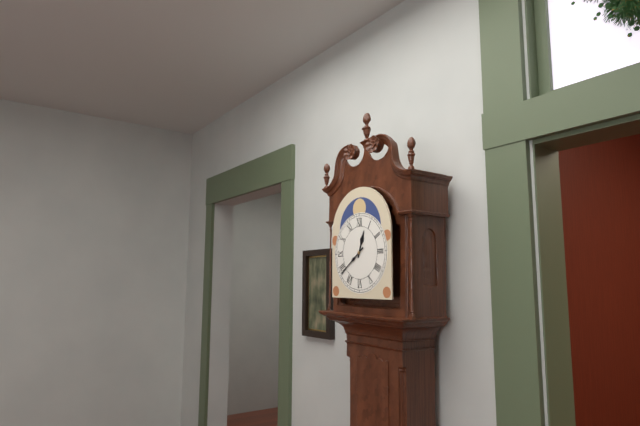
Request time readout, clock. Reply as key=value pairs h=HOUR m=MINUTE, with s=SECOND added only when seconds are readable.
h=12 m=39
